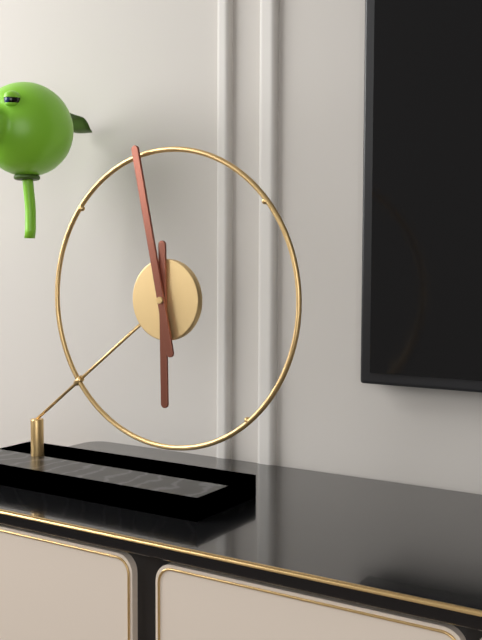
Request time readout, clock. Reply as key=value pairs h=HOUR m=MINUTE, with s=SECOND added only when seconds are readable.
h=5 m=58
